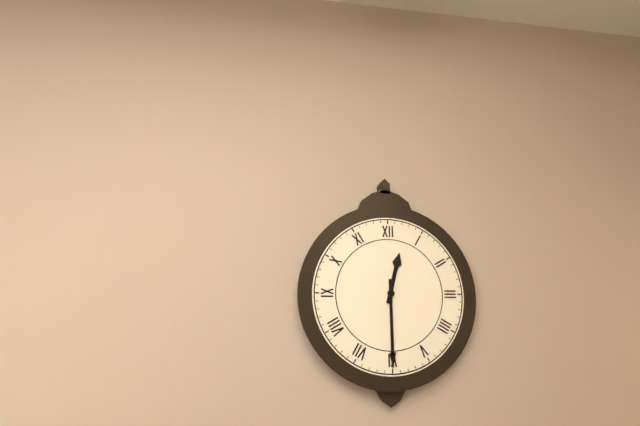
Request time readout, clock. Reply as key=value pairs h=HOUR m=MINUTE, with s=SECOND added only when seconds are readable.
h=12 m=30
